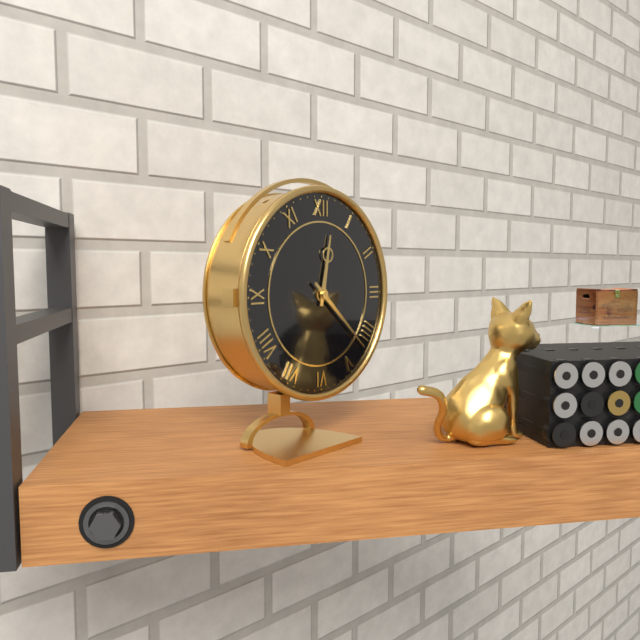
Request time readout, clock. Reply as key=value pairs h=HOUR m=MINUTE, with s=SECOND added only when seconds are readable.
h=12 m=22
